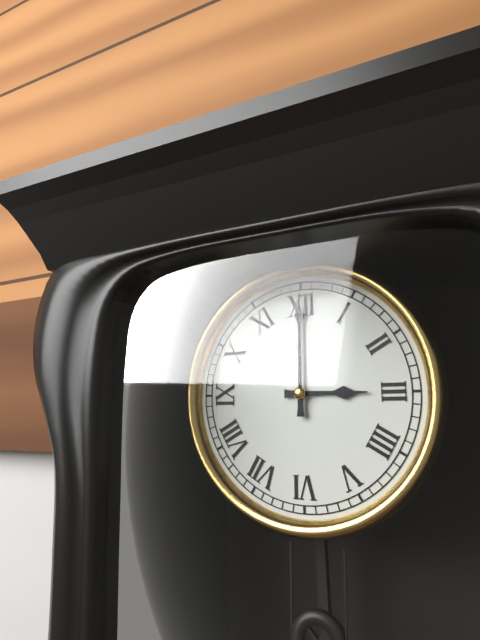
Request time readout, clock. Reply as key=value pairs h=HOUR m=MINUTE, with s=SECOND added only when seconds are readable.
h=3 m=0
